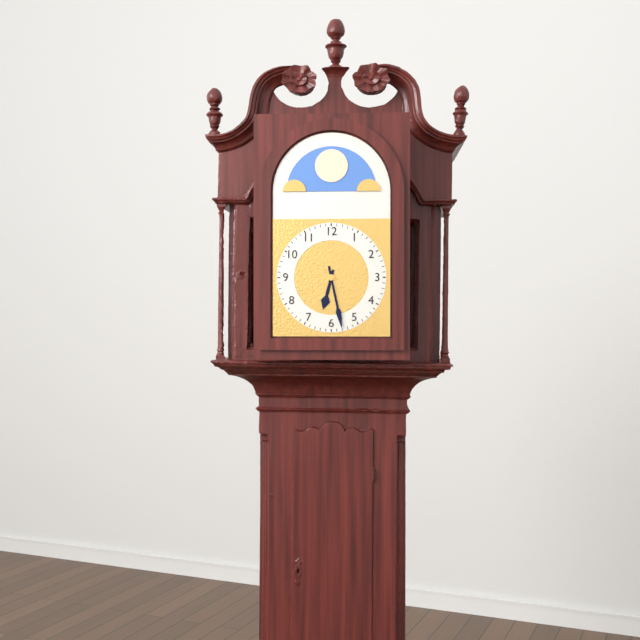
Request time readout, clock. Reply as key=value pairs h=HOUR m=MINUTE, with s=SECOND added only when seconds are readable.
h=6 m=28
